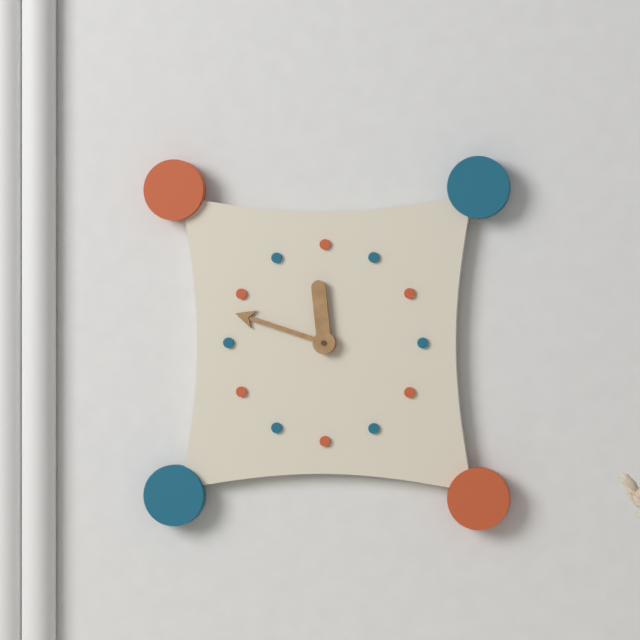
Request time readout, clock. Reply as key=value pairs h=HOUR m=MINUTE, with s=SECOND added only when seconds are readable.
h=11 m=48
